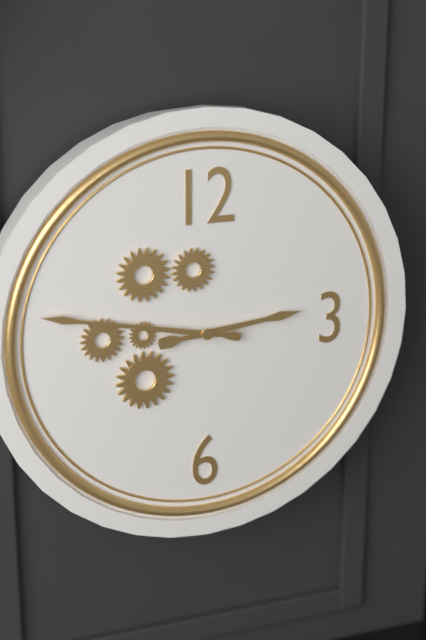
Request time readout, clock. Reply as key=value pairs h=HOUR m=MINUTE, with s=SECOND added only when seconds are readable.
h=2 m=47
